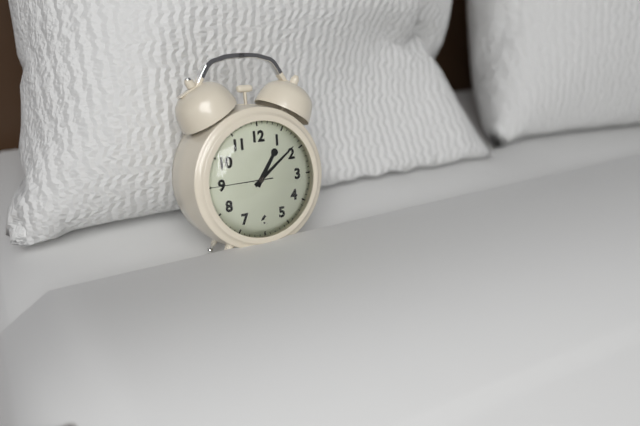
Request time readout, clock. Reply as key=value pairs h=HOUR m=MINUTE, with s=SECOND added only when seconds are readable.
h=1 m=9 s=45
